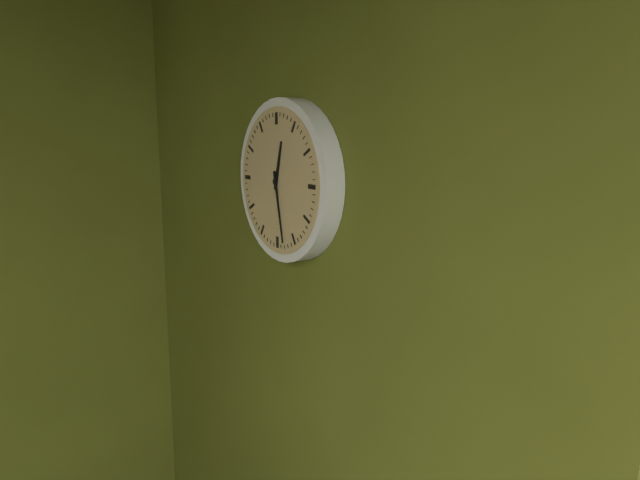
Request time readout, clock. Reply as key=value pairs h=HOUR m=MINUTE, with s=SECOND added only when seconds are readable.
h=12 m=28
